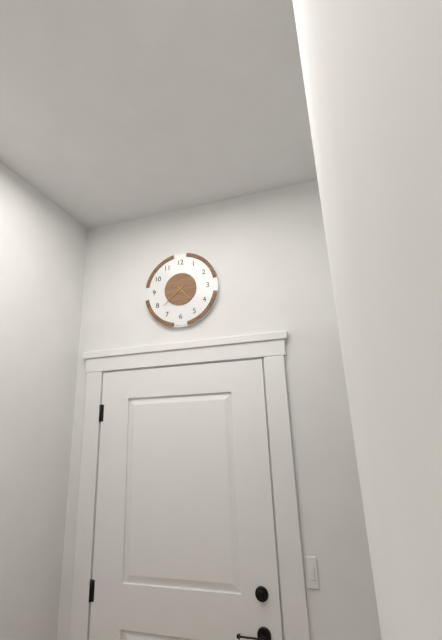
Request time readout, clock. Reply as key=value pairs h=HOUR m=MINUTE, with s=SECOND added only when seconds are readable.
h=4 m=38
